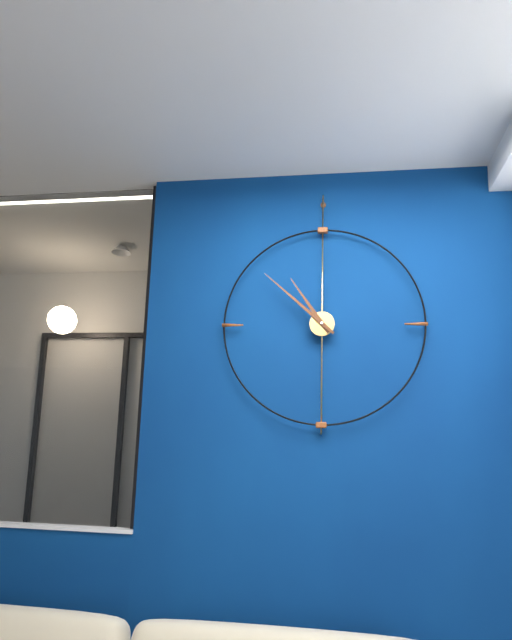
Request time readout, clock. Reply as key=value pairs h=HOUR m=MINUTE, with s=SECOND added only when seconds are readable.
h=10 m=52
